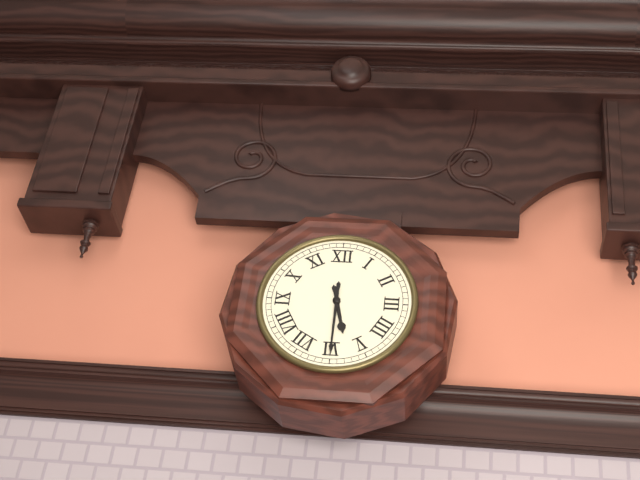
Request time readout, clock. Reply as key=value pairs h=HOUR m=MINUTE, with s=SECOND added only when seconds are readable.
h=5 m=30
